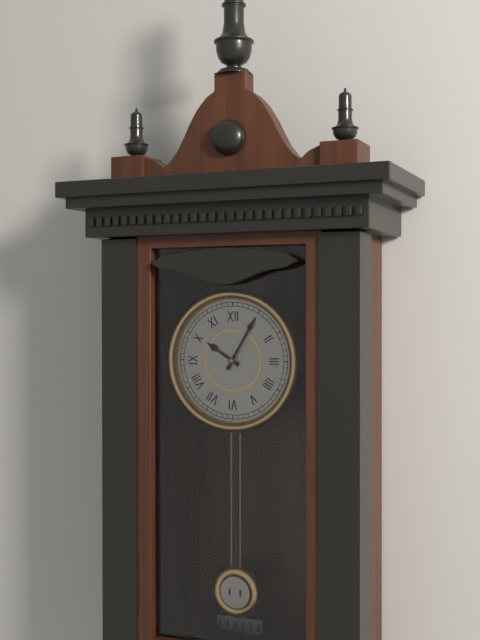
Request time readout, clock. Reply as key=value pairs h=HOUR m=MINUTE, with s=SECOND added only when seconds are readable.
h=10 m=5
